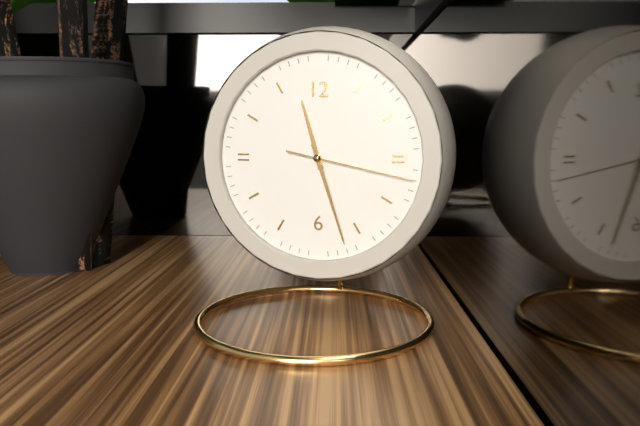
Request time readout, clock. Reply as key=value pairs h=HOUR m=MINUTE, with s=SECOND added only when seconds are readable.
h=11 m=27 s=17
